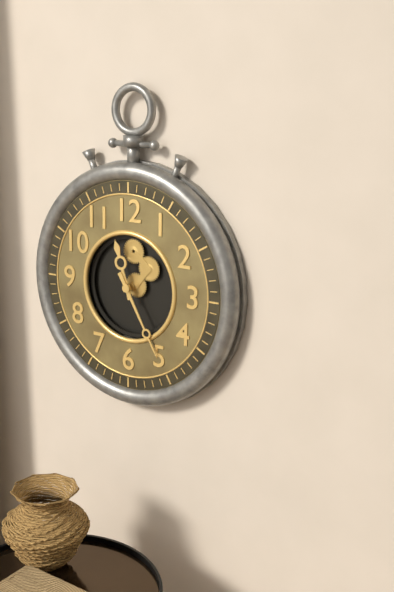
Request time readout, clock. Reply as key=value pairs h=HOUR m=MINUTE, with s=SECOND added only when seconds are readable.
h=11 m=25
